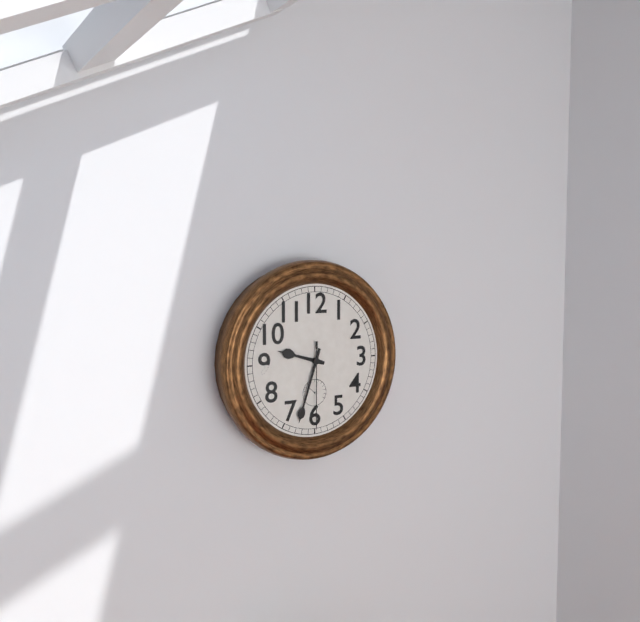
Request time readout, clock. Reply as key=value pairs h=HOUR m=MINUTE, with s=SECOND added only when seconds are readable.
h=9 m=33 s=30
